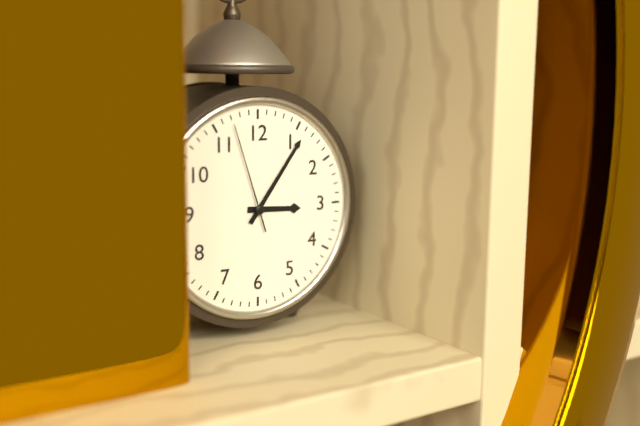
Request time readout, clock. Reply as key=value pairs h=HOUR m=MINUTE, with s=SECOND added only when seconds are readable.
h=3 m=6 s=57
